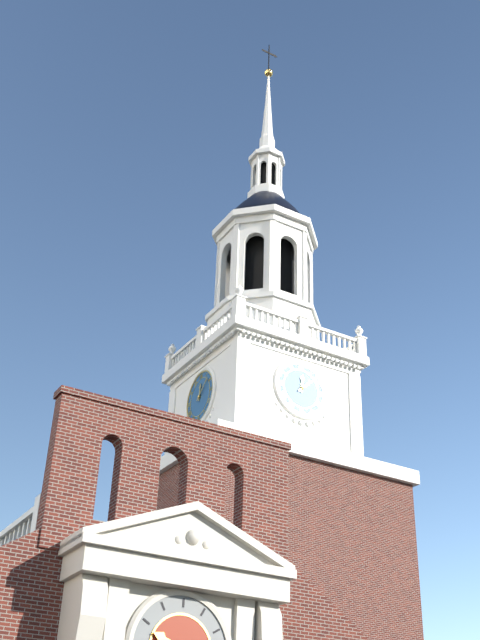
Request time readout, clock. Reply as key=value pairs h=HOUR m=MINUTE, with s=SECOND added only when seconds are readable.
h=12 m=8
